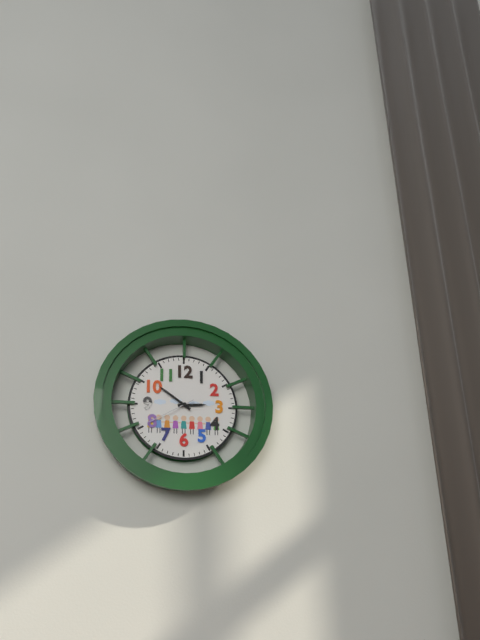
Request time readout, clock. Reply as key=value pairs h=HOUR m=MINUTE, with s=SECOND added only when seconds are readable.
h=2 m=51 s=40
